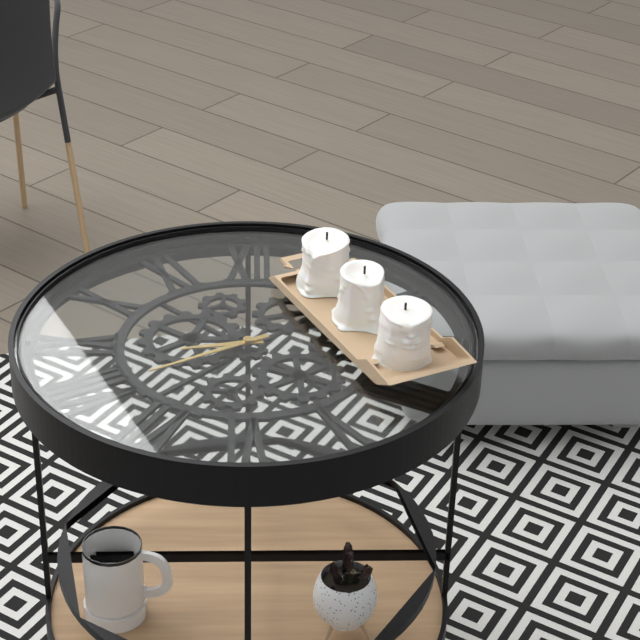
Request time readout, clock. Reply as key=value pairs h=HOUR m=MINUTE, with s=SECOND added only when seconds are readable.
h=8 m=40
